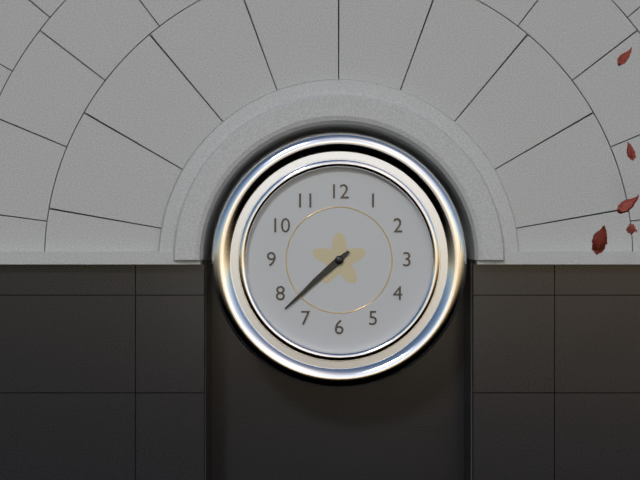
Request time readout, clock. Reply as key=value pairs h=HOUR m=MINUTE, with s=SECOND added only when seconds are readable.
h=7 m=38
